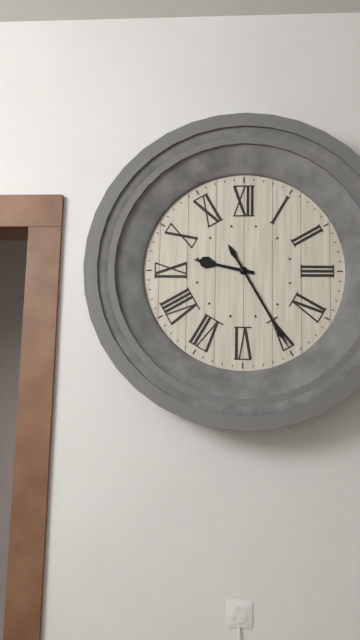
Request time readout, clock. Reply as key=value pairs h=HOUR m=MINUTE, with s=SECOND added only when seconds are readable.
h=9 m=25
